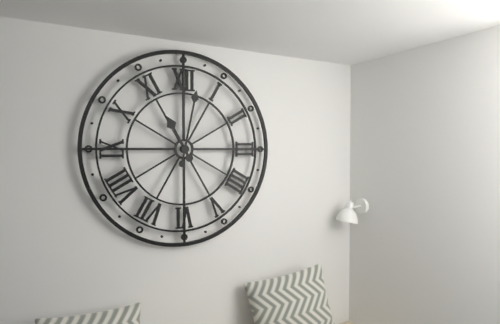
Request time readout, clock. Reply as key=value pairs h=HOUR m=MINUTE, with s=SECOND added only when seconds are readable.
h=11 m=2
